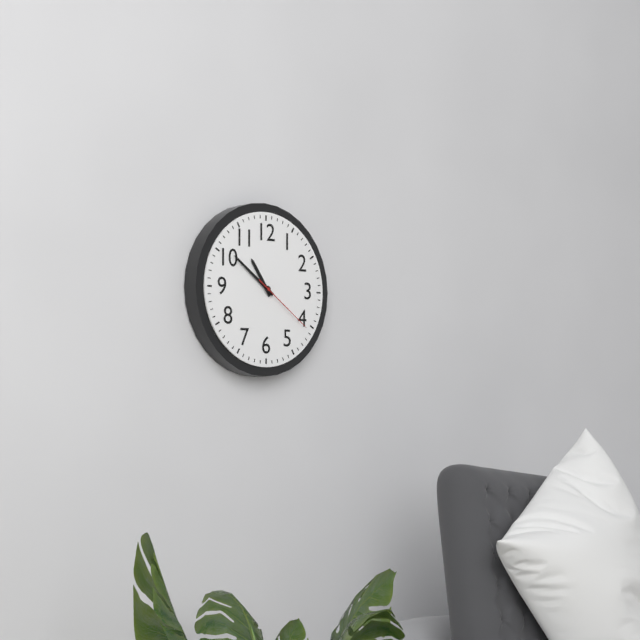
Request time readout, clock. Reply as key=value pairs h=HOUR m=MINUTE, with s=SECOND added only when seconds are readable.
h=10 m=51 s=21
